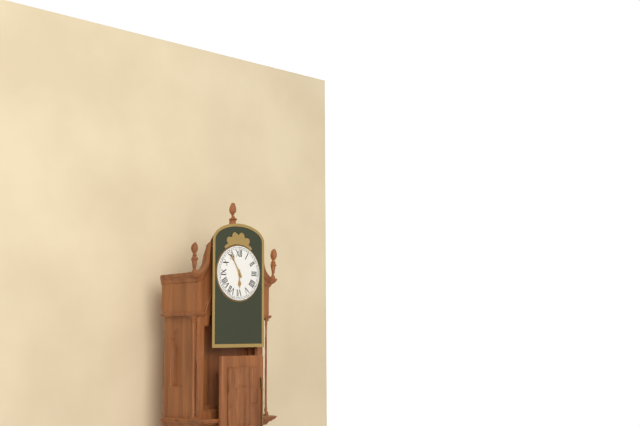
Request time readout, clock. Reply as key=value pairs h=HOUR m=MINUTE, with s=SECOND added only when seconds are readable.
h=5 m=55
